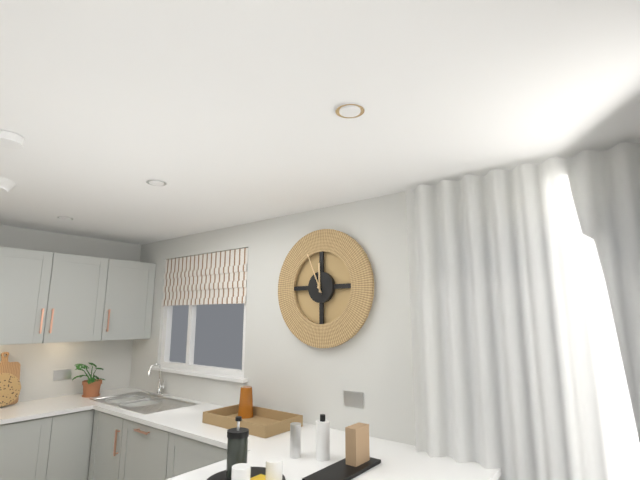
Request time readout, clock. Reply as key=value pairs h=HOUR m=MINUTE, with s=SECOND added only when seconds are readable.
h=11 m=56
